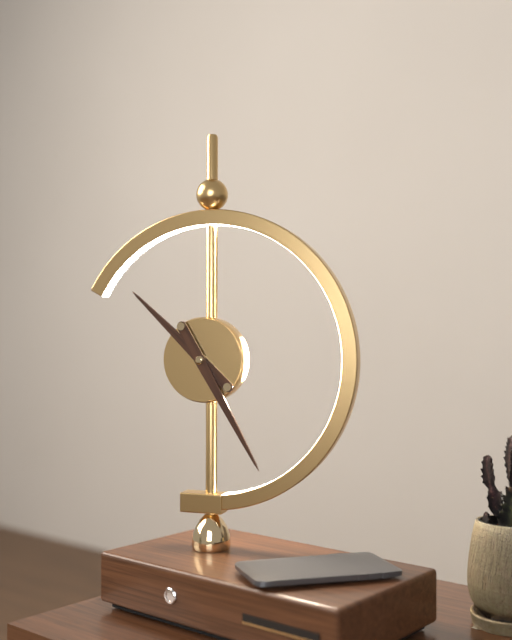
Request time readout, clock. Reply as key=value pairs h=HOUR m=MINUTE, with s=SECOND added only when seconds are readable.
h=10 m=25
